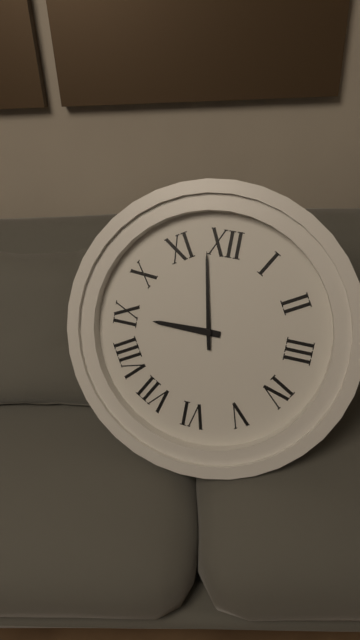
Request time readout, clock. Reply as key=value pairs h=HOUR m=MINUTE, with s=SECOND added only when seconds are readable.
h=8 m=58
